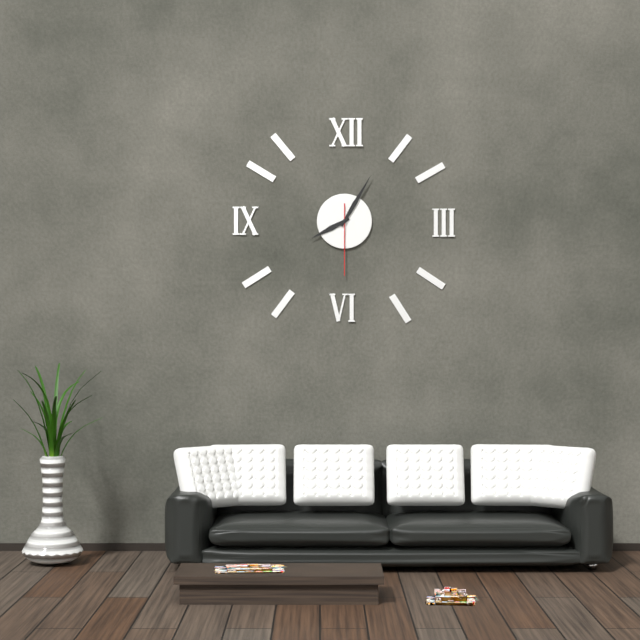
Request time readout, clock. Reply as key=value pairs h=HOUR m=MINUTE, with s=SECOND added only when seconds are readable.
h=8 m=5 s=30
